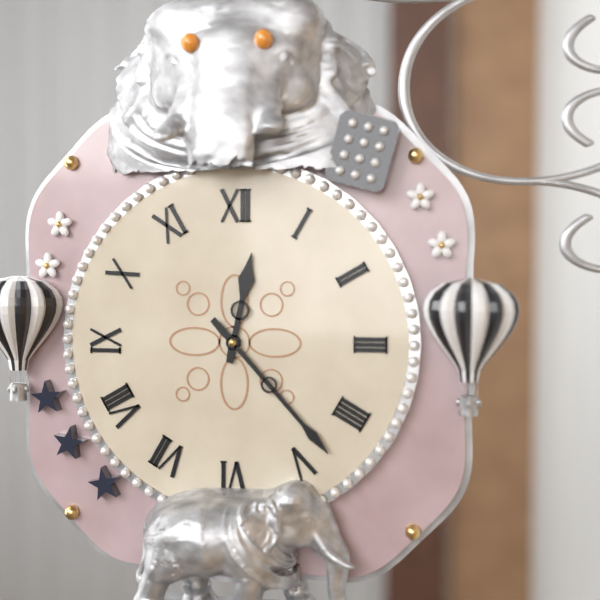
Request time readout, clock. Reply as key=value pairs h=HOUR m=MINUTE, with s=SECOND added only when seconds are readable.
h=12 m=23
